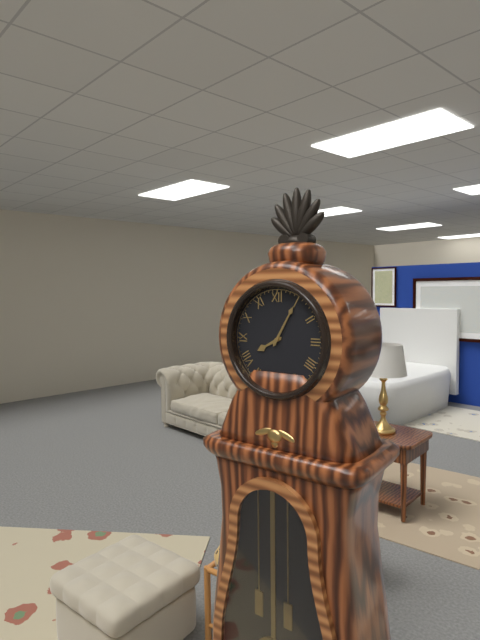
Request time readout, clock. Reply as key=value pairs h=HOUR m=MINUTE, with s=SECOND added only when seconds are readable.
h=8 m=5
